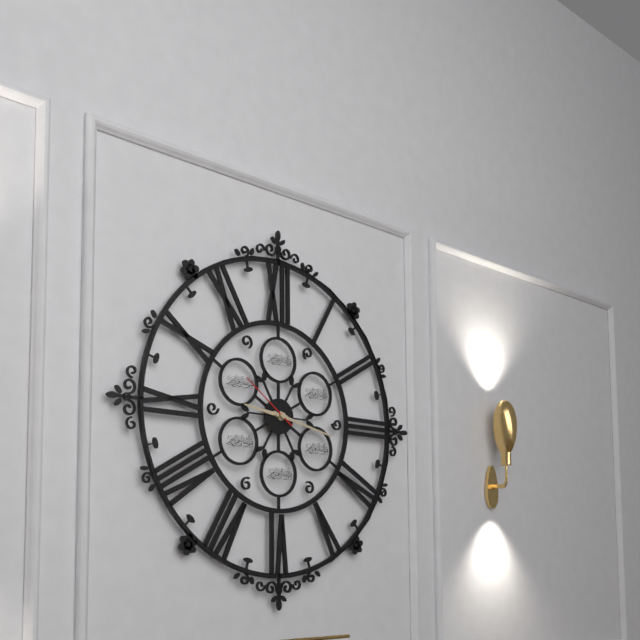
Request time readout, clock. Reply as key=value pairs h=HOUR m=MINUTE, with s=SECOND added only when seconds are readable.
h=9 m=17 s=51
